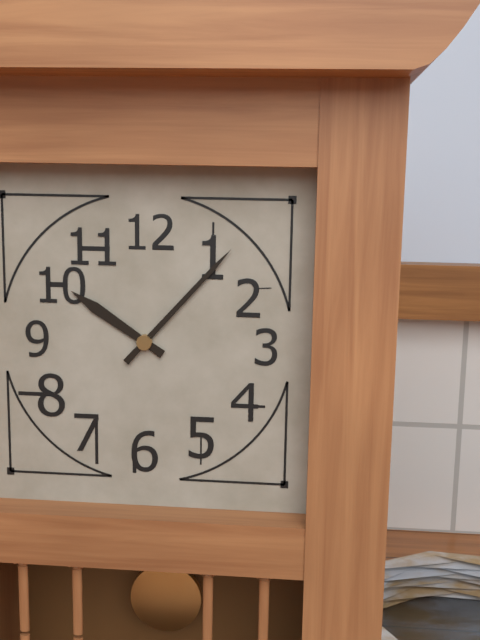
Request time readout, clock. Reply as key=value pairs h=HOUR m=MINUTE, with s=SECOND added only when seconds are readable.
h=10 m=7
